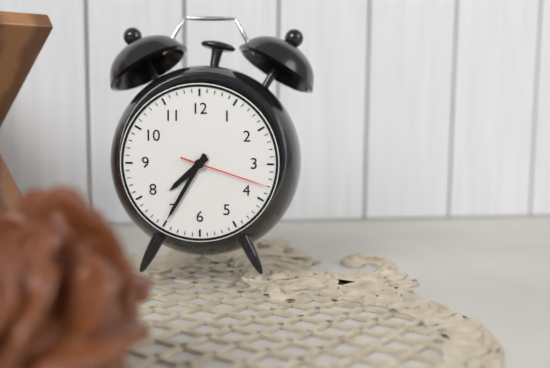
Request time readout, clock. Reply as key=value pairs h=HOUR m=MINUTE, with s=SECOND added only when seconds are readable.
h=7 m=35 s=18
